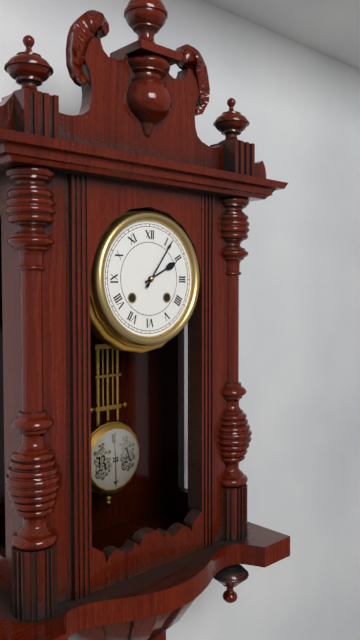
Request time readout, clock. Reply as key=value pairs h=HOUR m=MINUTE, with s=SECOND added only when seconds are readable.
h=2 m=6
